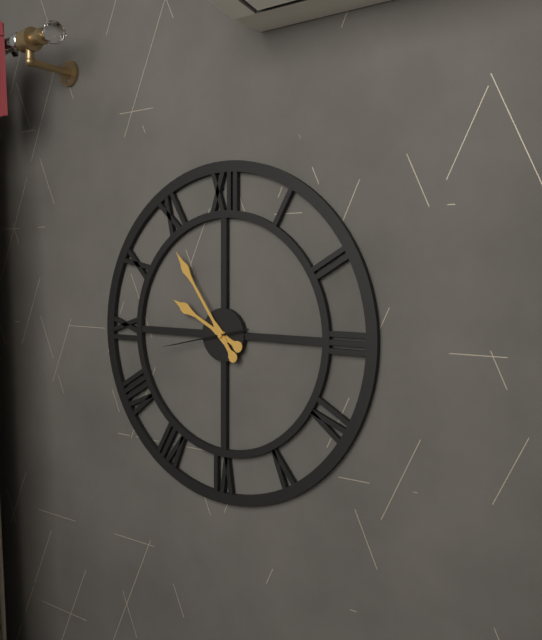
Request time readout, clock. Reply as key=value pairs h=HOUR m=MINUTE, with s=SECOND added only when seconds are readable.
h=9 m=54 s=43
